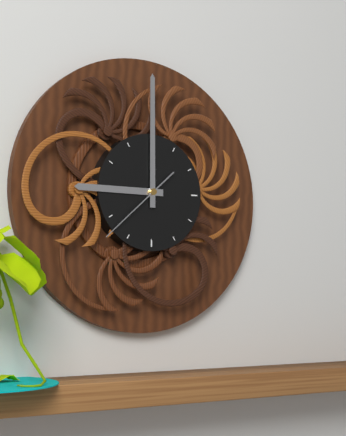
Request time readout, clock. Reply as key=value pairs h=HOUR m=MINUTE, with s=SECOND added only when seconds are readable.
h=9 m=0 s=38
